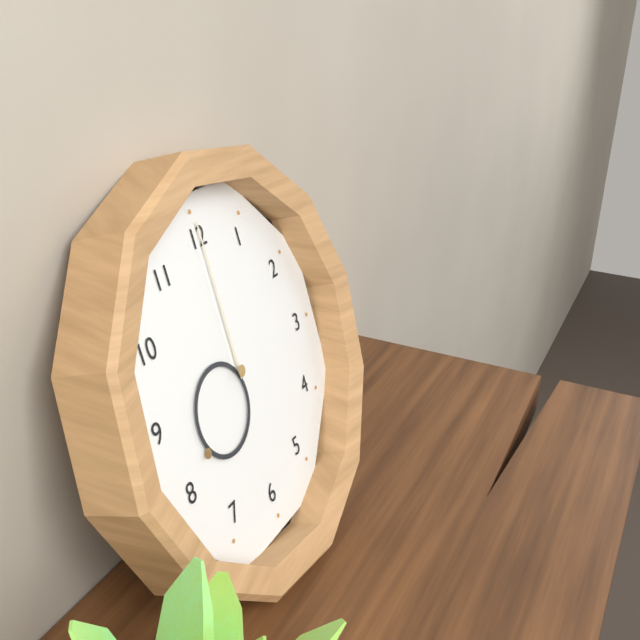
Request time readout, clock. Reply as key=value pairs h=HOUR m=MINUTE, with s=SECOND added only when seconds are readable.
h=8 m=0
